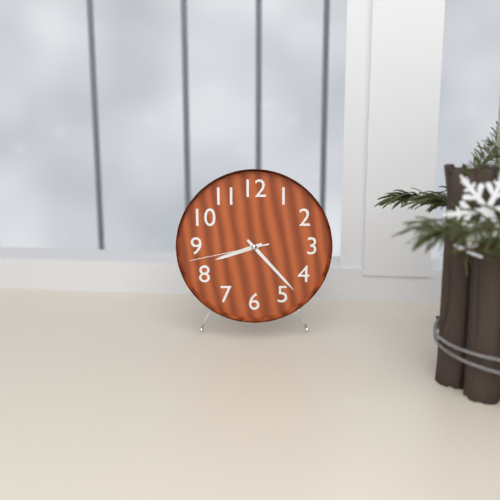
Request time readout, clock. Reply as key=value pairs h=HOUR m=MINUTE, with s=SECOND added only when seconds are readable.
h=8 m=23 s=43
